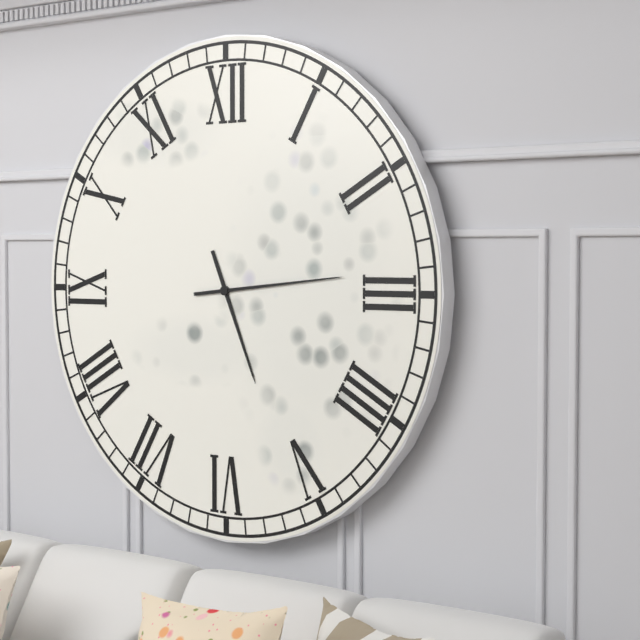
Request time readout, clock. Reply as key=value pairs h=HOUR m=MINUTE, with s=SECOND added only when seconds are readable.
h=5 m=14
